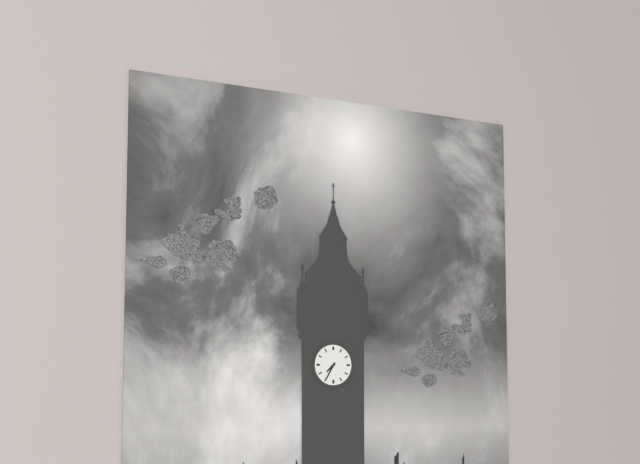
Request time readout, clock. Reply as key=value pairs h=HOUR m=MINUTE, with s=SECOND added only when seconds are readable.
h=7 m=35
